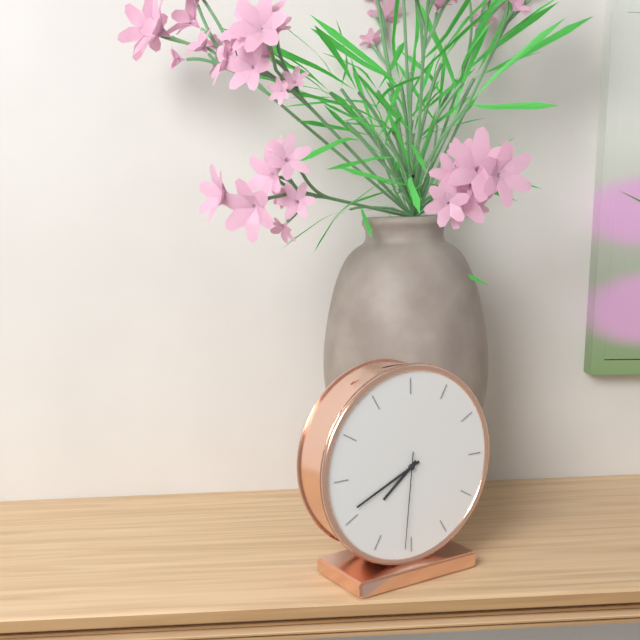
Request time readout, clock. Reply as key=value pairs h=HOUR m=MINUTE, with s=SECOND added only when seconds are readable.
h=7 m=41 s=31
